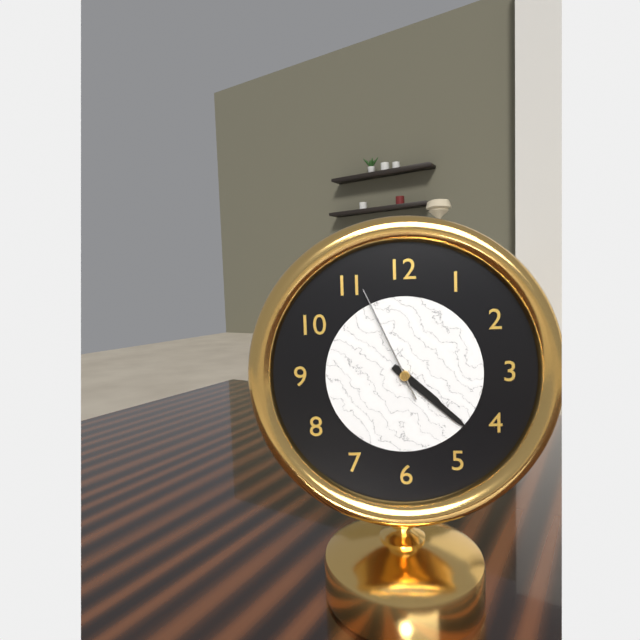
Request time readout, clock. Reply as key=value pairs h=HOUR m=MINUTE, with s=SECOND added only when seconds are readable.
h=4 m=22 s=56
